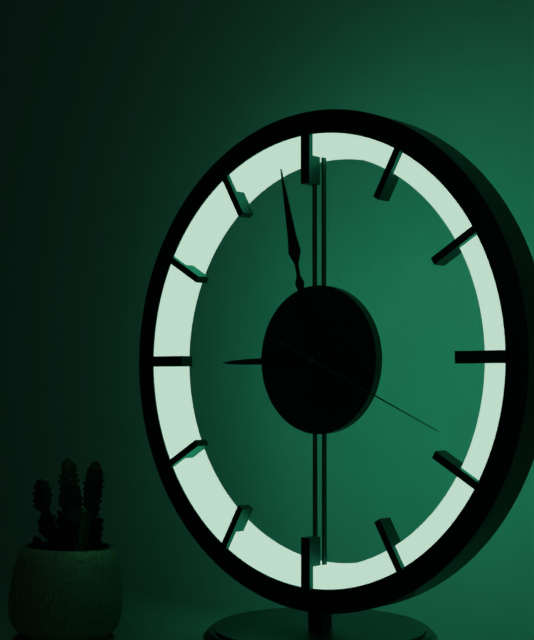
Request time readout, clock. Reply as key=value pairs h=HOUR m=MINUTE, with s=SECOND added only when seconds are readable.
h=8 m=58 s=19
